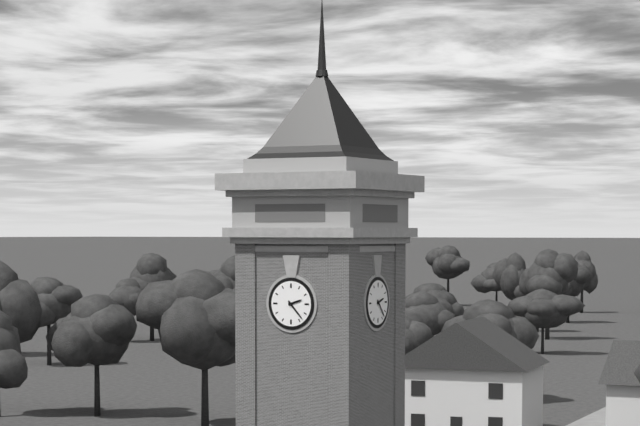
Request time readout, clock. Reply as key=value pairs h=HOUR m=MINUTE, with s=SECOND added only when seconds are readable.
h=2 m=23
